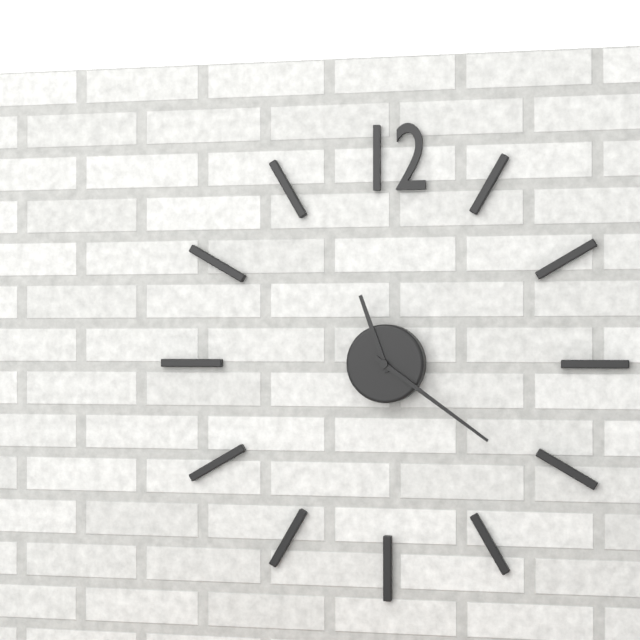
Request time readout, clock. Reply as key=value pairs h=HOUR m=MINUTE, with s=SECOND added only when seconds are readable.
h=11 m=21
